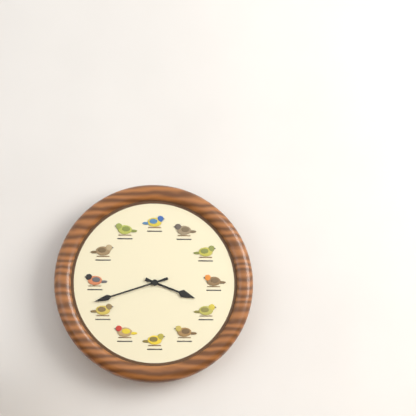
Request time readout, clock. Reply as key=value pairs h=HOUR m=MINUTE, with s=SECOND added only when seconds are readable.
h=3 m=42
